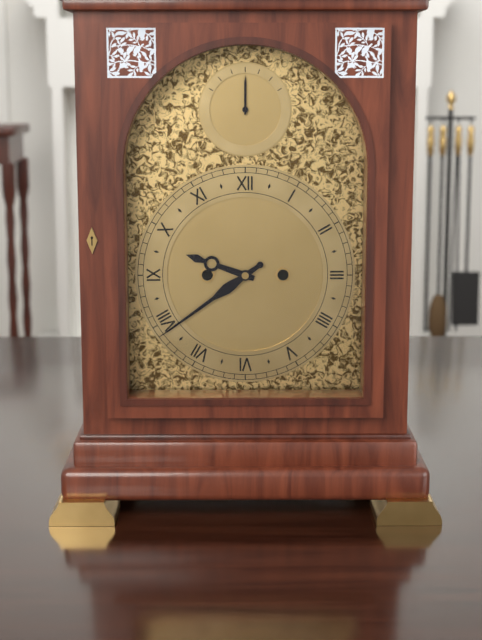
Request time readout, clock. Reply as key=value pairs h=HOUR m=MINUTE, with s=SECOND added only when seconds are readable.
h=9 m=39
